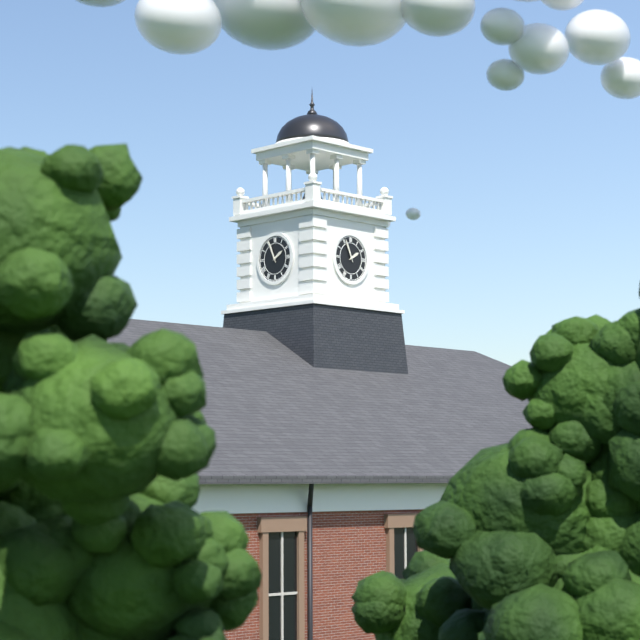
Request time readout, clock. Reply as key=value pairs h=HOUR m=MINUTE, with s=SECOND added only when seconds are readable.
h=1 m=56
